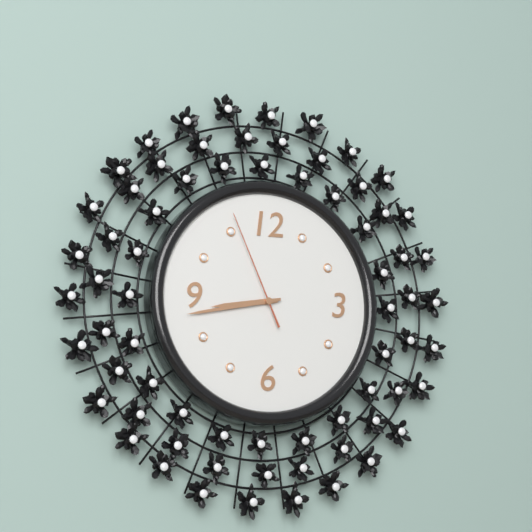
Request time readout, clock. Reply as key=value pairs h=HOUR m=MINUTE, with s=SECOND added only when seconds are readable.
h=8 m=43 s=56
